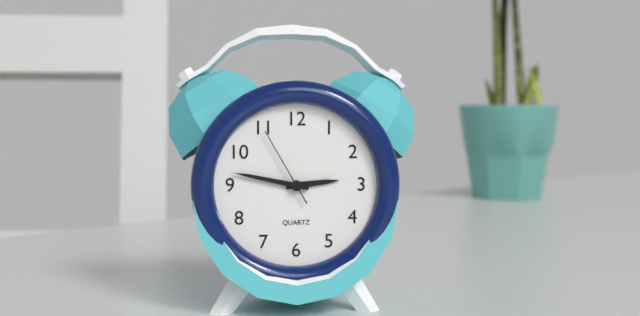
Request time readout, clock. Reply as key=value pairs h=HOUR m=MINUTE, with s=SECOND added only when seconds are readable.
h=2 m=47 s=55
